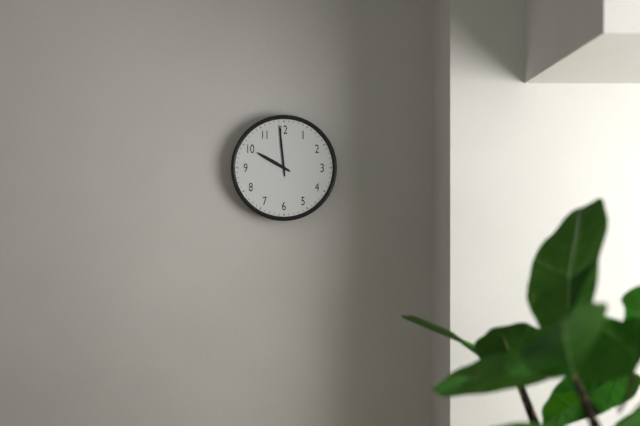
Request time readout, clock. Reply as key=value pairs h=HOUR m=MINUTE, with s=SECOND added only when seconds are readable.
h=9 m=59
